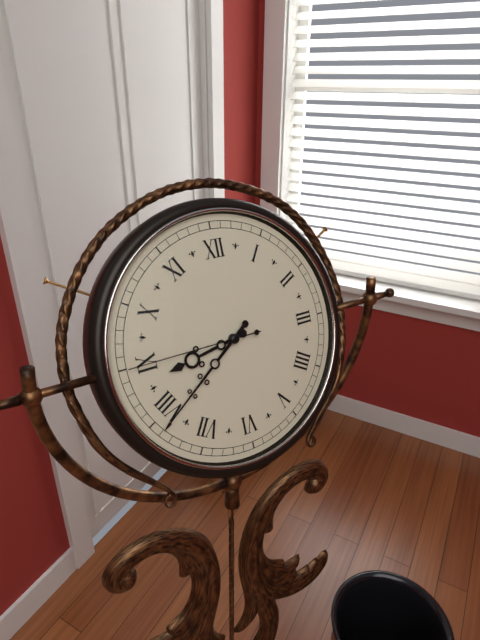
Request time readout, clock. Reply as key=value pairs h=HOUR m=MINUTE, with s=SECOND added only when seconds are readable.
h=8 m=39 s=45
